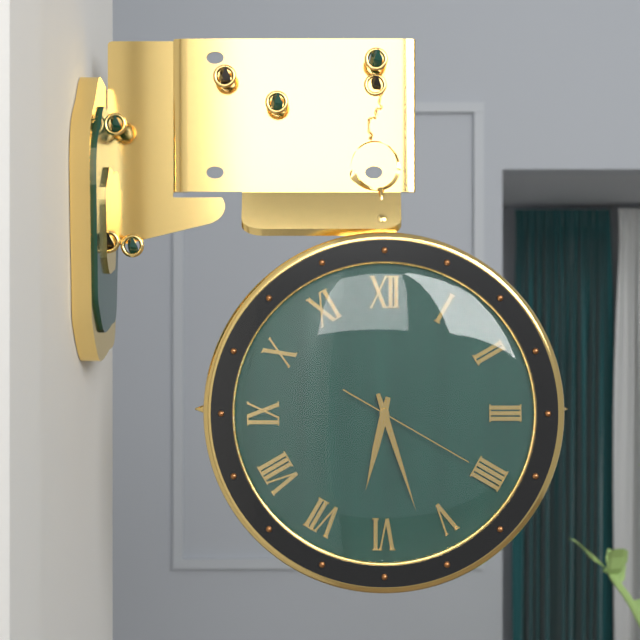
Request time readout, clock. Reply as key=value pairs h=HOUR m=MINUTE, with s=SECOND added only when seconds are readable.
h=6 m=27 s=20
